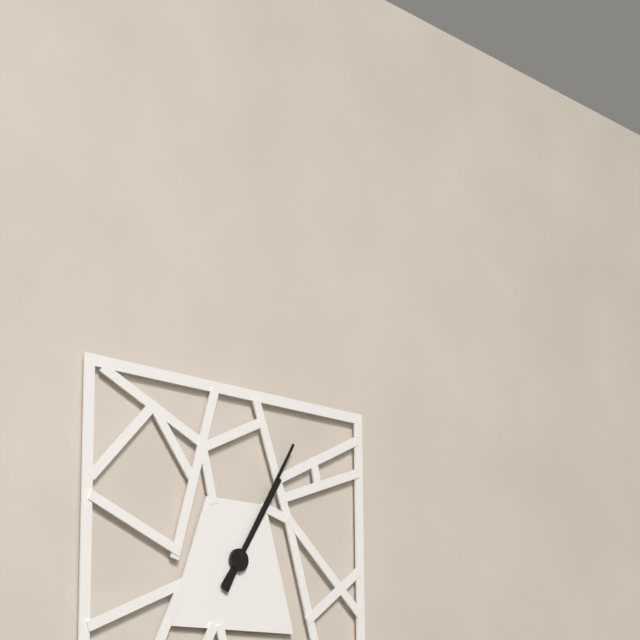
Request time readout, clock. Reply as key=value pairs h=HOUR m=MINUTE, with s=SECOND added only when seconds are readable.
h=1 m=5
